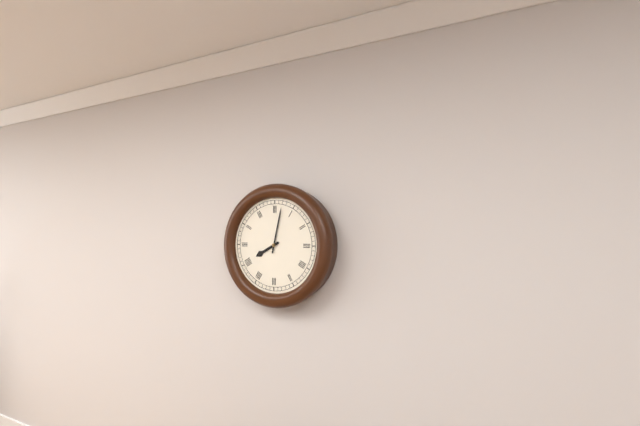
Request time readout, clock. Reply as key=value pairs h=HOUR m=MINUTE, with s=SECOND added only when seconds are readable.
h=8 m=2
